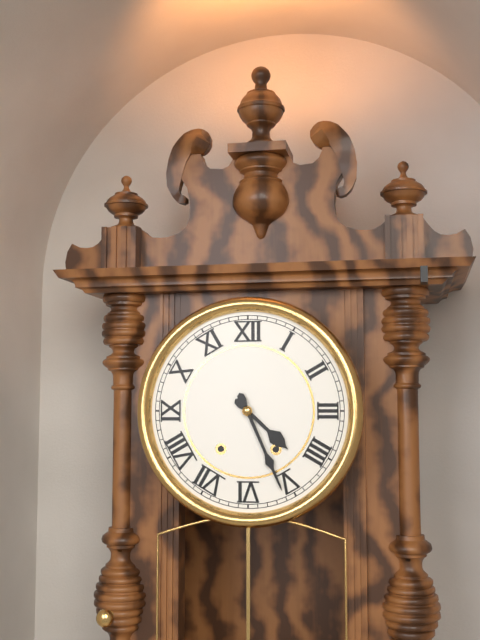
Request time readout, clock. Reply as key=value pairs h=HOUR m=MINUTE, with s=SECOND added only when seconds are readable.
h=4 m=26
